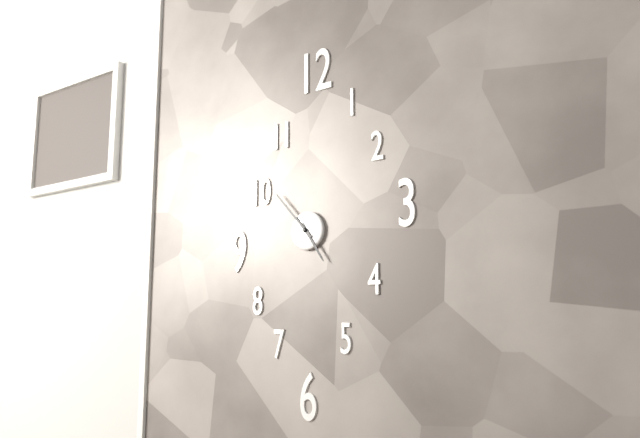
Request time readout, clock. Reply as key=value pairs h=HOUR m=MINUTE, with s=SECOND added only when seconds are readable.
h=4 m=53
